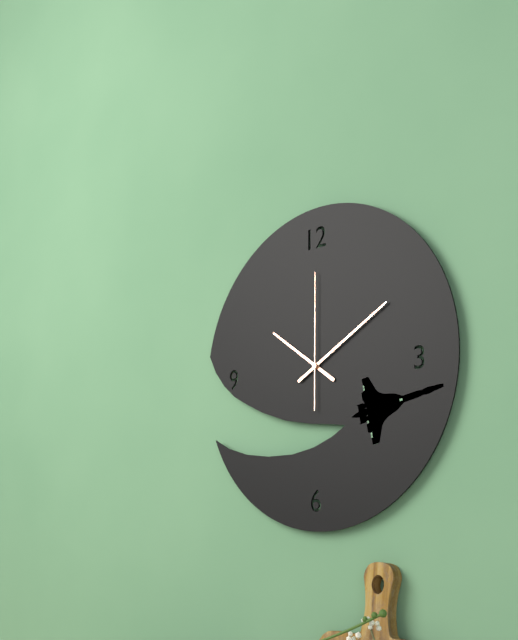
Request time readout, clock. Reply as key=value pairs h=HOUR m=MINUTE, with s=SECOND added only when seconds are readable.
h=10 m=10 s=0
